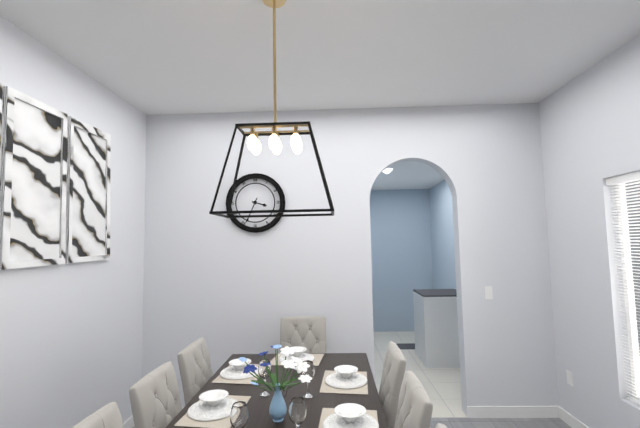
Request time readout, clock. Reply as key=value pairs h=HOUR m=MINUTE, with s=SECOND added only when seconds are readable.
h=3 m=34
